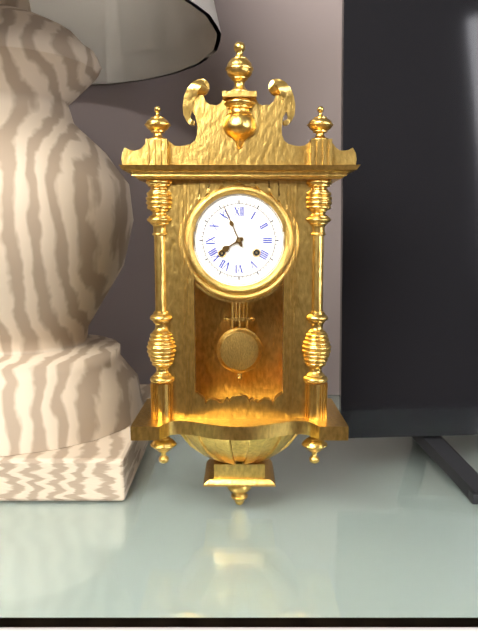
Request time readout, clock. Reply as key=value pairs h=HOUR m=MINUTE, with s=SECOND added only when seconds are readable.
h=7 m=56
